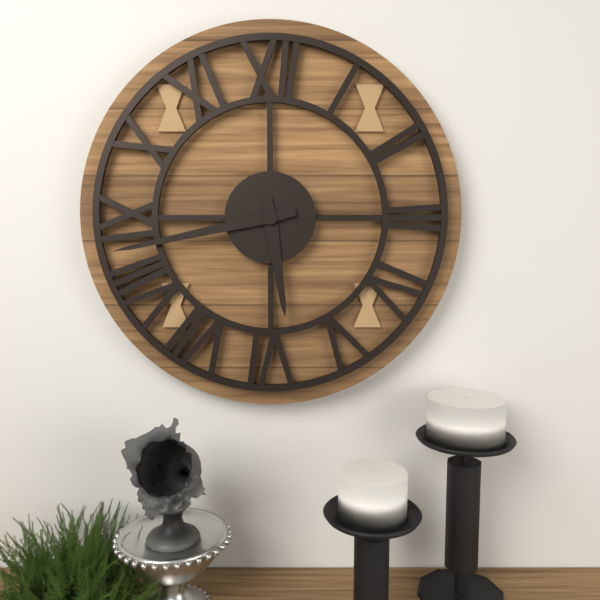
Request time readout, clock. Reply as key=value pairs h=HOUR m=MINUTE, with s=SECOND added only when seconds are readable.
h=5 m=43
